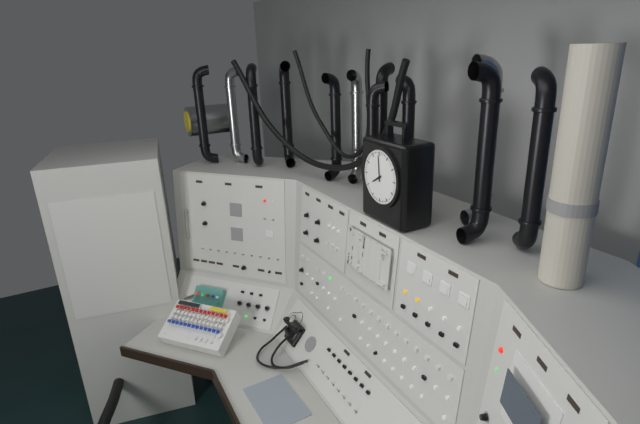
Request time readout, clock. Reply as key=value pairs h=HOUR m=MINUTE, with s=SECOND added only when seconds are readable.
h=7 m=59
